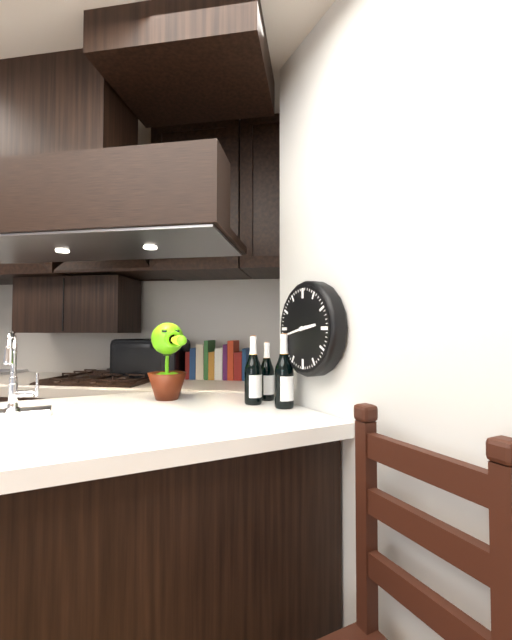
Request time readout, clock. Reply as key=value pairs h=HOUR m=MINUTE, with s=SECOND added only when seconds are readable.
h=2 m=43
